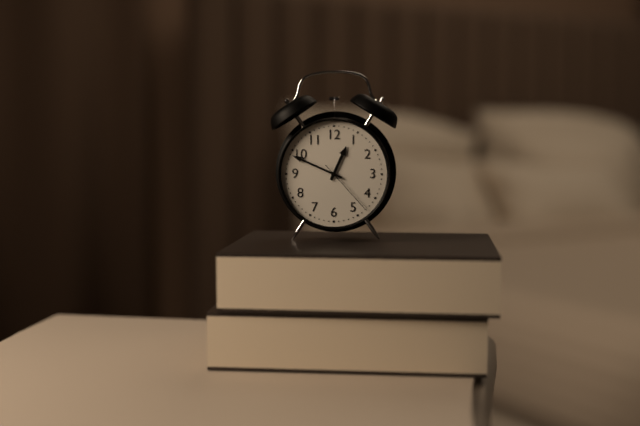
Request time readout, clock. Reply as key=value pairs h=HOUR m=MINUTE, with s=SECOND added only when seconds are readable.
h=12 m=49 s=23
